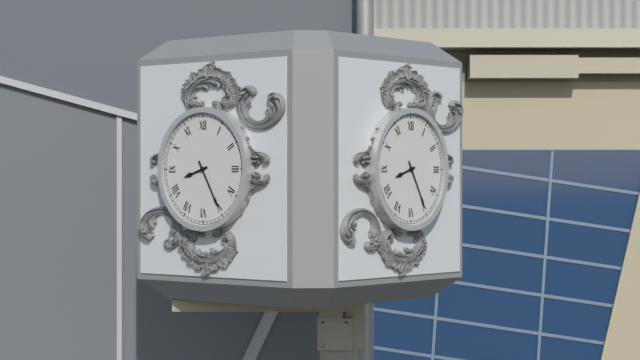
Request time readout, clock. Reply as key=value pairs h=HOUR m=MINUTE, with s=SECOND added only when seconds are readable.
h=8 m=25
